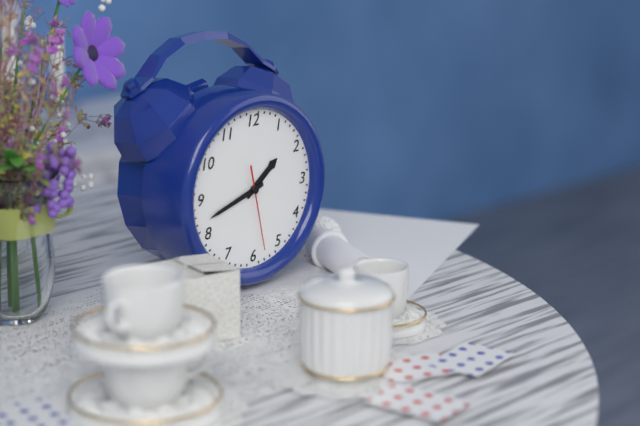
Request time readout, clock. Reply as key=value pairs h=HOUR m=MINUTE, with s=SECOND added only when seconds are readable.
h=1 m=42 s=28
